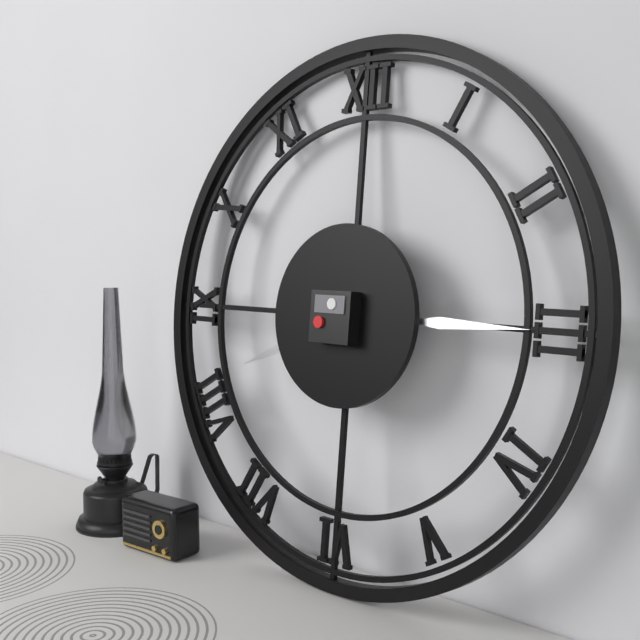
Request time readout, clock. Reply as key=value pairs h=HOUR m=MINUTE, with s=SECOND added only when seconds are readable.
h=8 m=15
